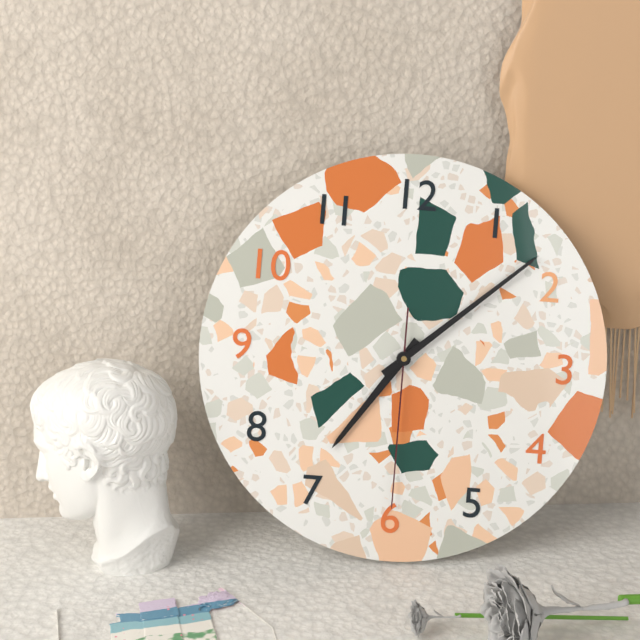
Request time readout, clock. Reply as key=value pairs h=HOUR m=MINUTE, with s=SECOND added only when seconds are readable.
h=7 m=8 s=30
